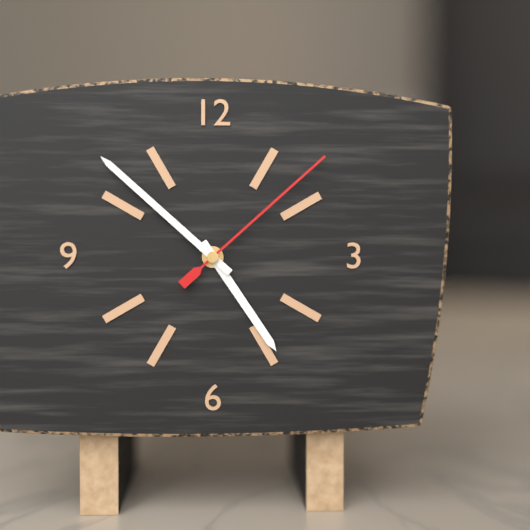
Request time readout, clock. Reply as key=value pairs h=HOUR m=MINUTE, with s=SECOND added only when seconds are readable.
h=4 m=52 s=8
